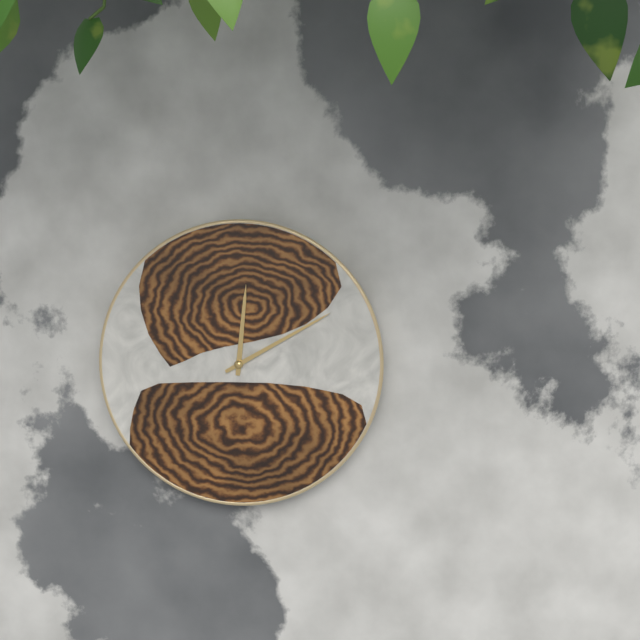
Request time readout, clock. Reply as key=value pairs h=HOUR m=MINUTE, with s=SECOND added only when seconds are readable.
h=12 m=10
